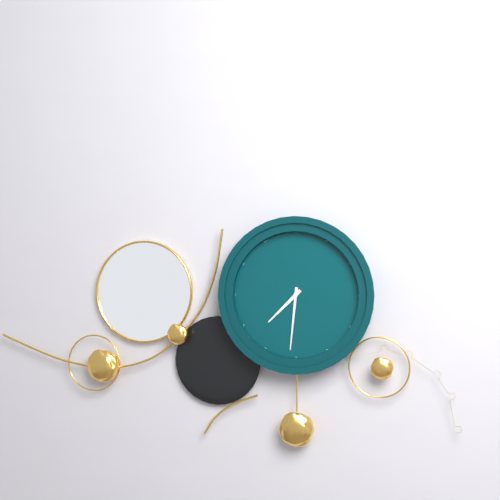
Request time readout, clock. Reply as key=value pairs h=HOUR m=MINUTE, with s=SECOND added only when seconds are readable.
h=7 m=31
